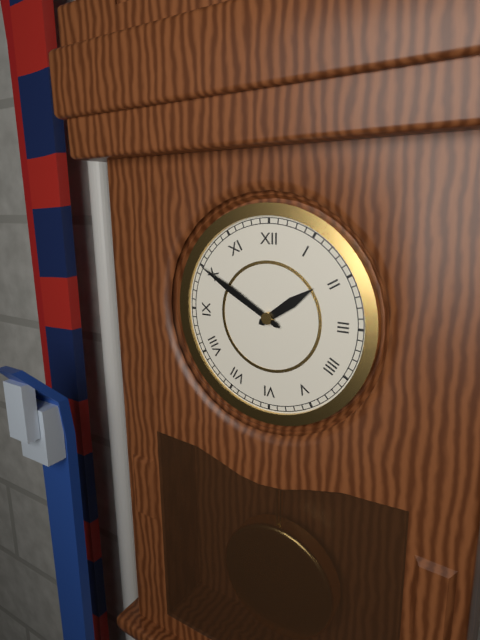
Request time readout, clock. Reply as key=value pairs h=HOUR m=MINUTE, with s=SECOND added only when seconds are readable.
h=1 m=50
